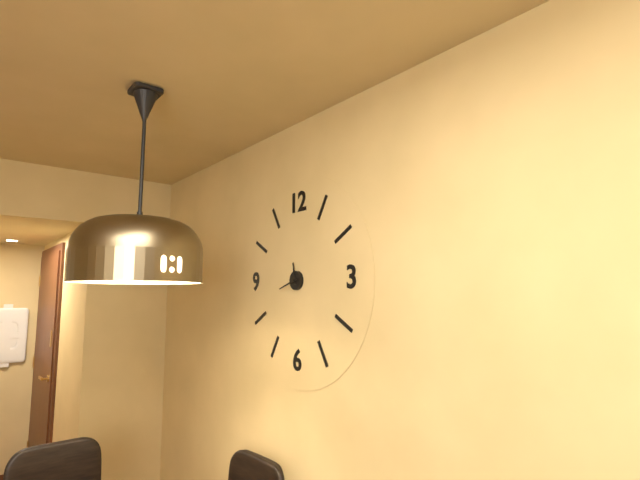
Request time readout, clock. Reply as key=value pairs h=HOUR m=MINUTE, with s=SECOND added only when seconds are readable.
h=11 m=42
